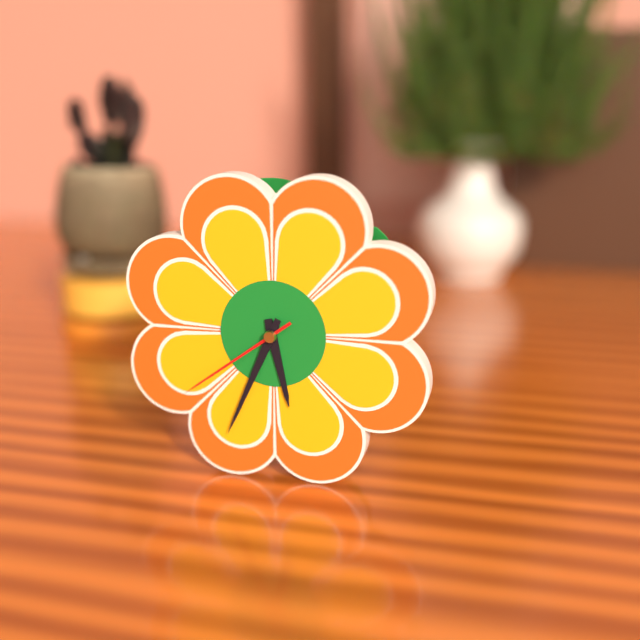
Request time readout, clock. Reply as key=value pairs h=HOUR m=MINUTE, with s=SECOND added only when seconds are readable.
h=5 m=34 s=39
